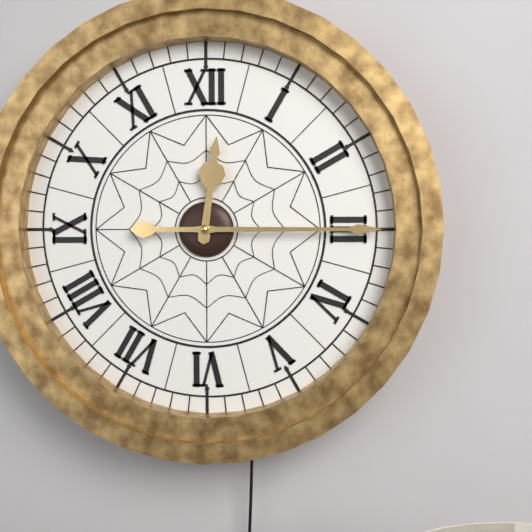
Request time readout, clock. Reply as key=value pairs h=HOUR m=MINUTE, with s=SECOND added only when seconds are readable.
h=12 m=15
